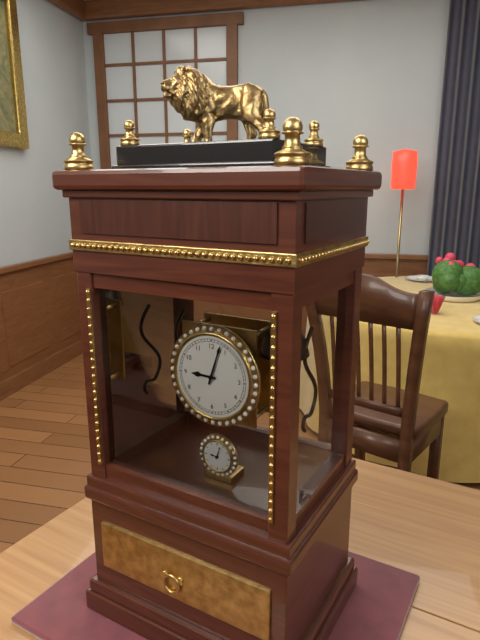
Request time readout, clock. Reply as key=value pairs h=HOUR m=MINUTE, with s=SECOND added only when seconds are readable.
h=9 m=3
